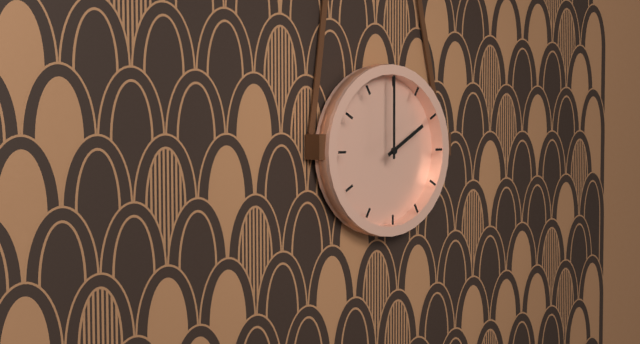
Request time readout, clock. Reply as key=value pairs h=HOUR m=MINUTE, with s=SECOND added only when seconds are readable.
h=2 m=0
